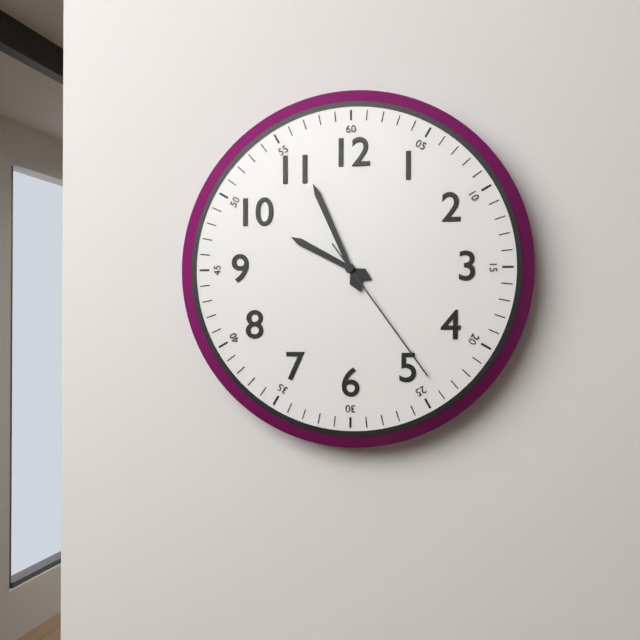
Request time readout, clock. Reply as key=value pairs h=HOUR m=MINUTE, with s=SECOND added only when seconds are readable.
h=9 m=56 s=24
